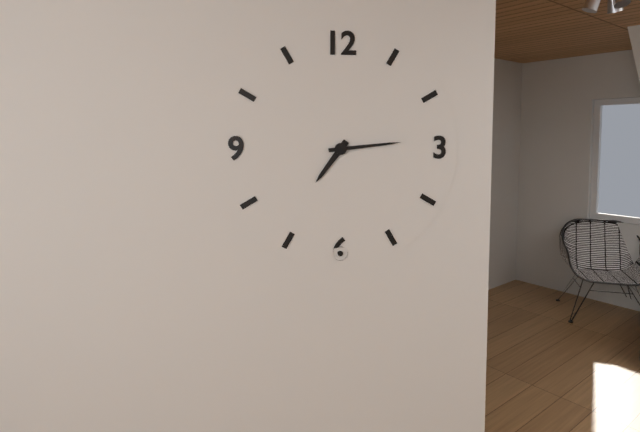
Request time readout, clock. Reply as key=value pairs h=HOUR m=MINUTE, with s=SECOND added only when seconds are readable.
h=7 m=14
